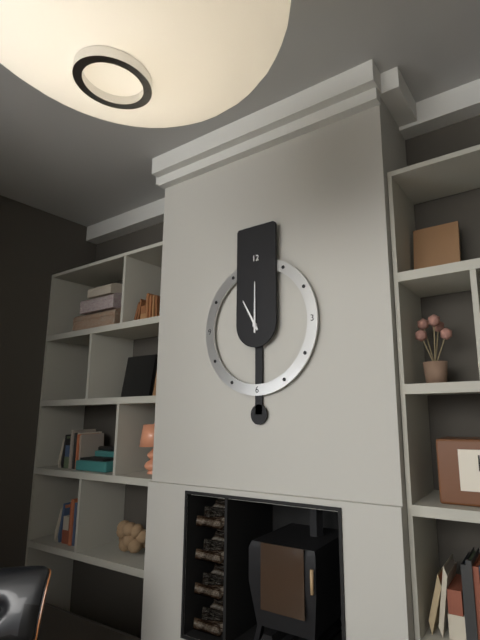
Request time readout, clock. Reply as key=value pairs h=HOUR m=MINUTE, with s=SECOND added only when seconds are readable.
h=11 m=0
